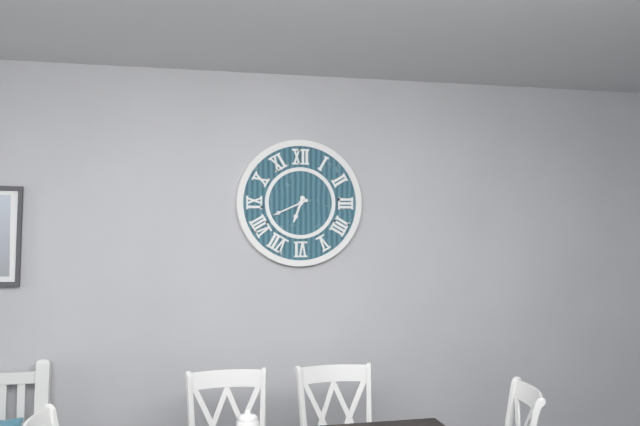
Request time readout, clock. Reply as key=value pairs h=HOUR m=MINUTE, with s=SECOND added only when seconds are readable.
h=6 m=41
